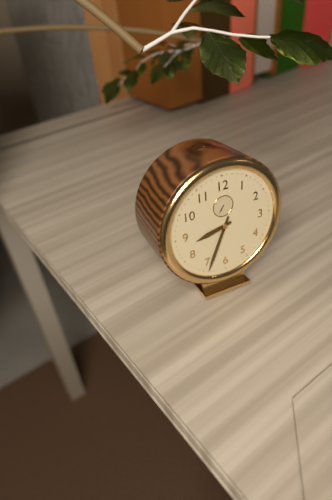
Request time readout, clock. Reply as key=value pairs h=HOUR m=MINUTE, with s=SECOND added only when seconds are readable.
h=8 m=34
